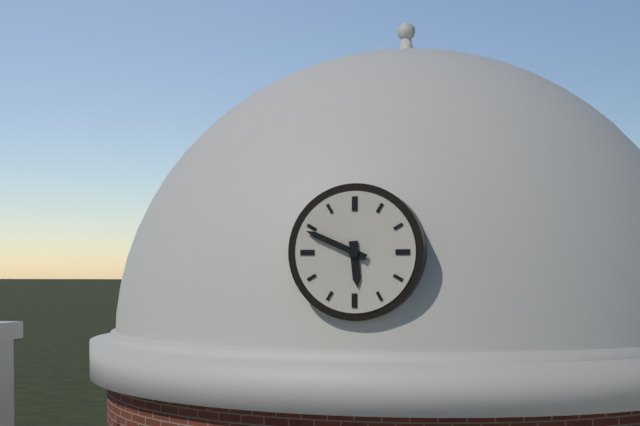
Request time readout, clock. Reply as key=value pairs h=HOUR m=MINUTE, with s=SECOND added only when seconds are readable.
h=5 m=49
